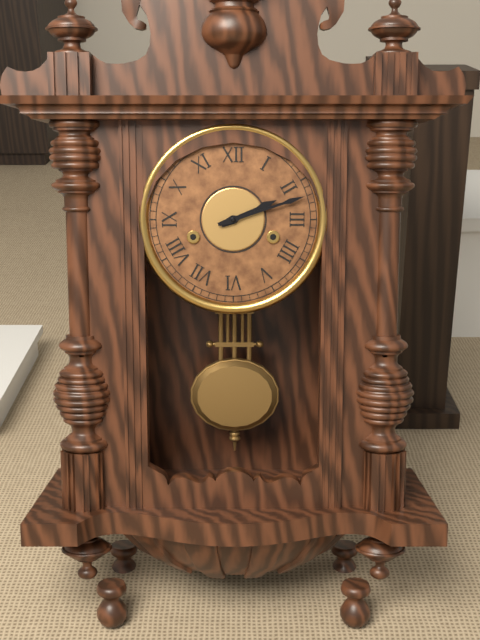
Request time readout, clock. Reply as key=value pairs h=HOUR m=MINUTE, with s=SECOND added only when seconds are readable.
h=2 m=12
